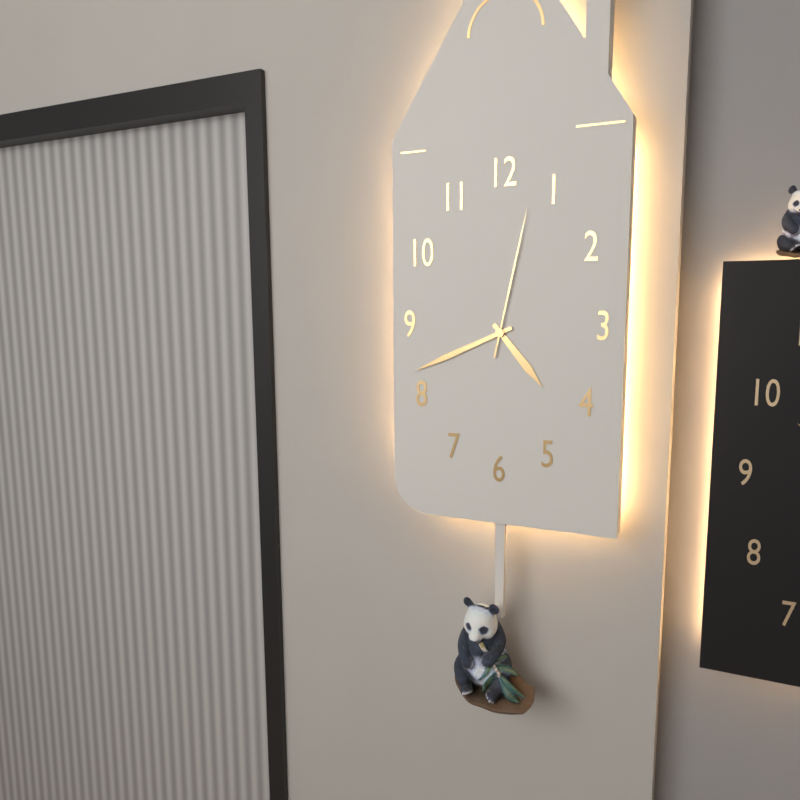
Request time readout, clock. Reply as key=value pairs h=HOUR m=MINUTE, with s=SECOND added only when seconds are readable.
h=4 m=41 s=2
